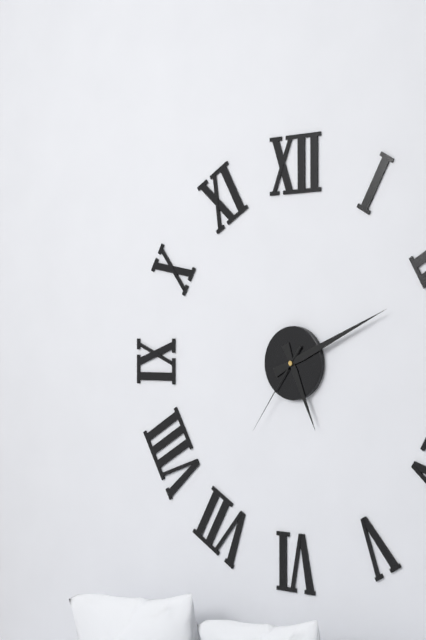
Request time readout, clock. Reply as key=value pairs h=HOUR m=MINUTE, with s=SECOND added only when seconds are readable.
h=5 m=11 s=36
